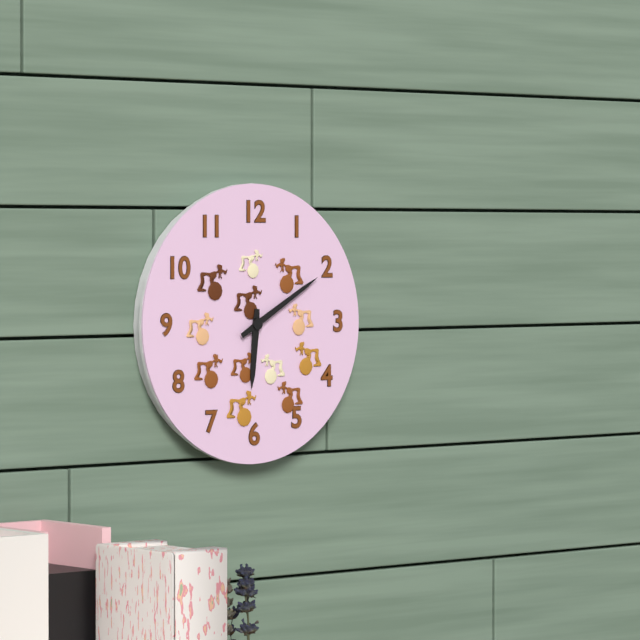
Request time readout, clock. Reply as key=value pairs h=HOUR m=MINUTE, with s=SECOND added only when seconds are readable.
h=6 m=10
